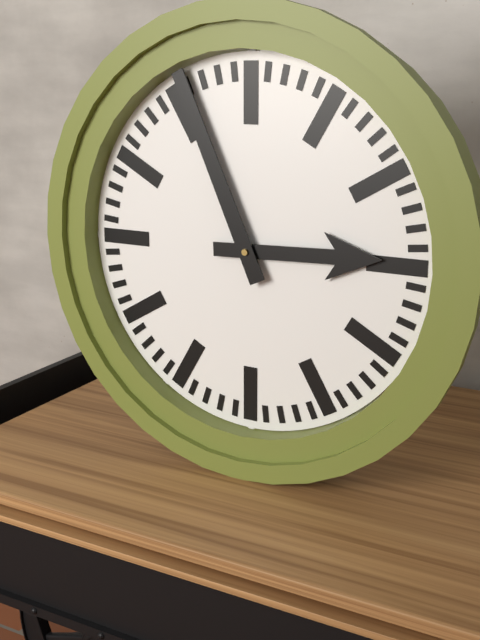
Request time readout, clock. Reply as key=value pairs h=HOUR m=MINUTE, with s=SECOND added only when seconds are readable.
h=2 m=56
